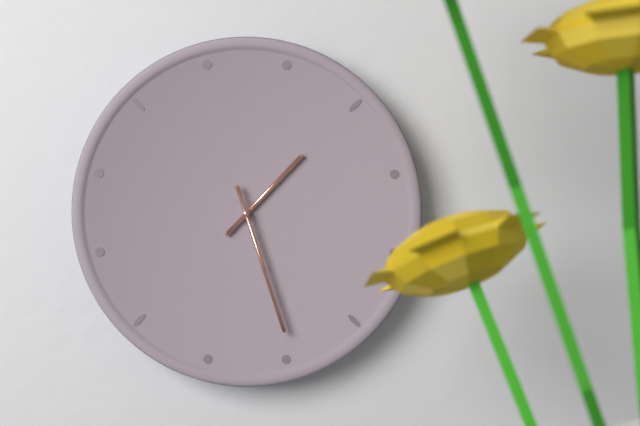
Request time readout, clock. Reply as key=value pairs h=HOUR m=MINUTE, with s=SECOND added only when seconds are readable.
h=1 m=27
